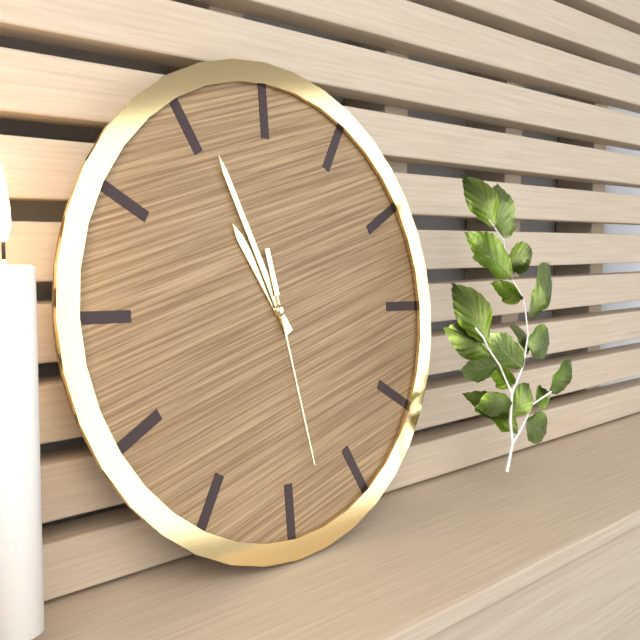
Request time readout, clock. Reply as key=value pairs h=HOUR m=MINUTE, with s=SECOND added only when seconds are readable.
h=10 m=56 s=28
